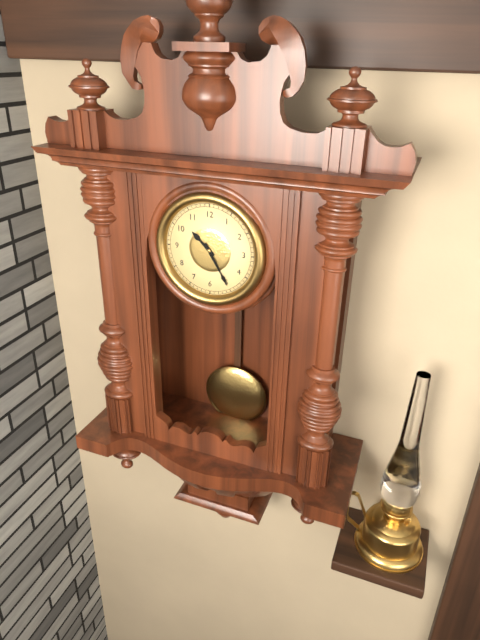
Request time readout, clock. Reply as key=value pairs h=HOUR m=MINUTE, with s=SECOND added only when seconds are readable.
h=10 m=25
